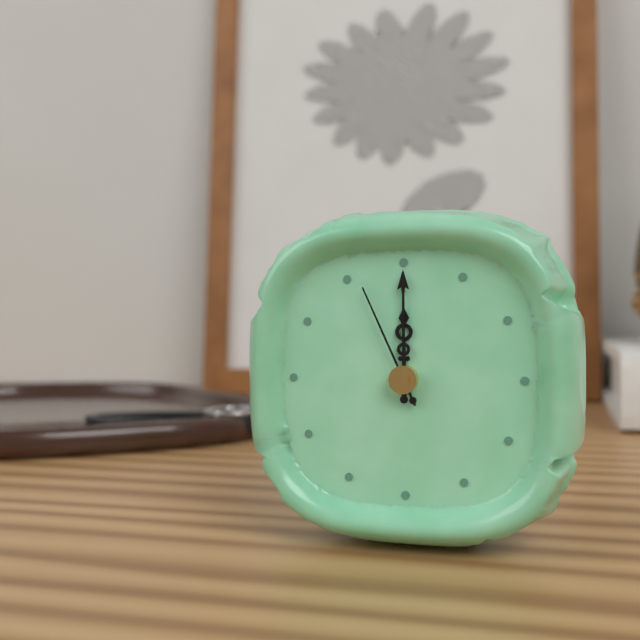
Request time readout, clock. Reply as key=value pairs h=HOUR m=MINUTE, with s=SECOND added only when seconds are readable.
h=12 m=0 s=56
